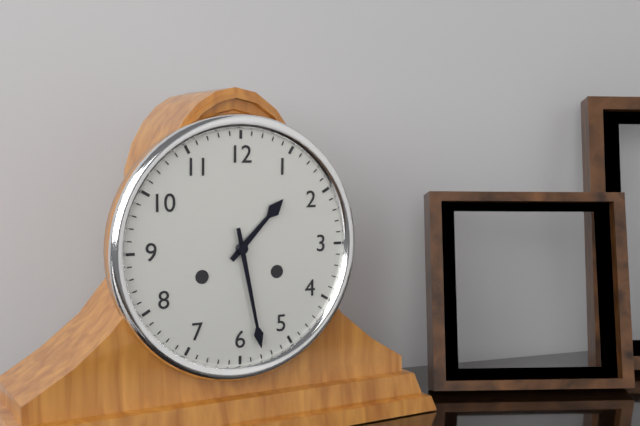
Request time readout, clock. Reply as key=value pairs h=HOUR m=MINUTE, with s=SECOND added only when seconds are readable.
h=1 m=28
